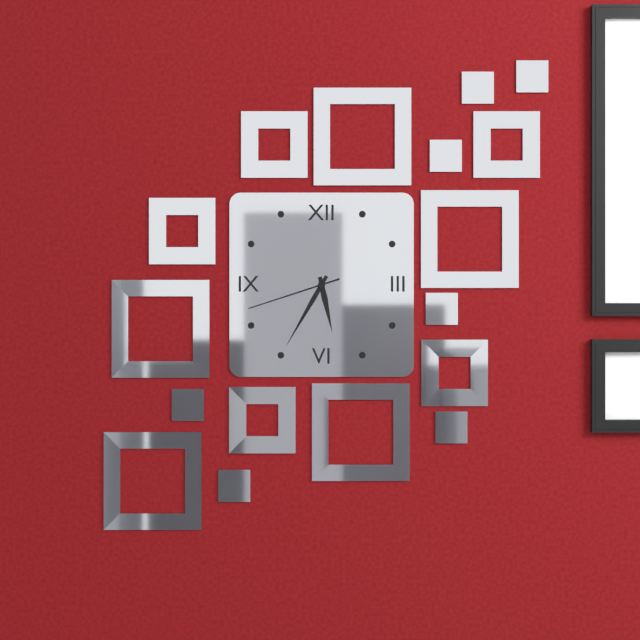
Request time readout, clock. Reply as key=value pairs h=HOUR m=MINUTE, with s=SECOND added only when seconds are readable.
h=5 m=35 s=42
